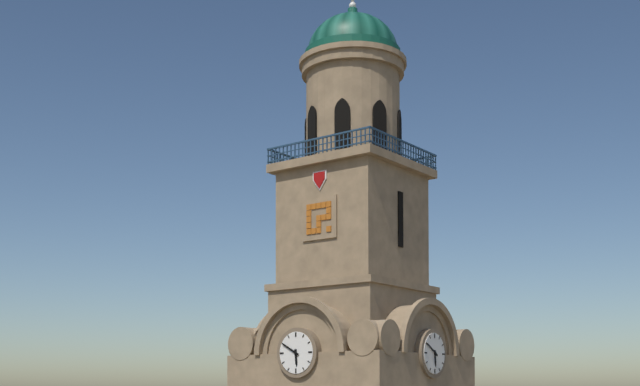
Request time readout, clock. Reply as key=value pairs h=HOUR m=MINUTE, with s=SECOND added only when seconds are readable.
h=5 m=50
